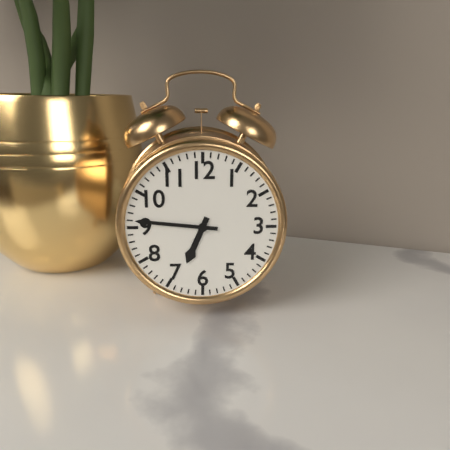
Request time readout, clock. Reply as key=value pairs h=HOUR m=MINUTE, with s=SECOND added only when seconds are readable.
h=6 m=46
